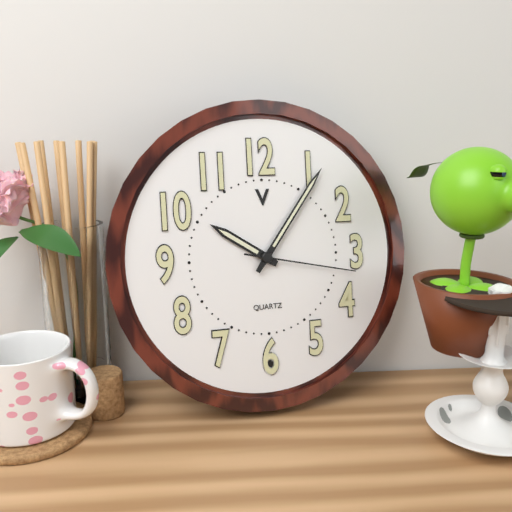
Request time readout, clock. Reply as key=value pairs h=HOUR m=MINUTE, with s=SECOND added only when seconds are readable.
h=10 m=6 s=17
